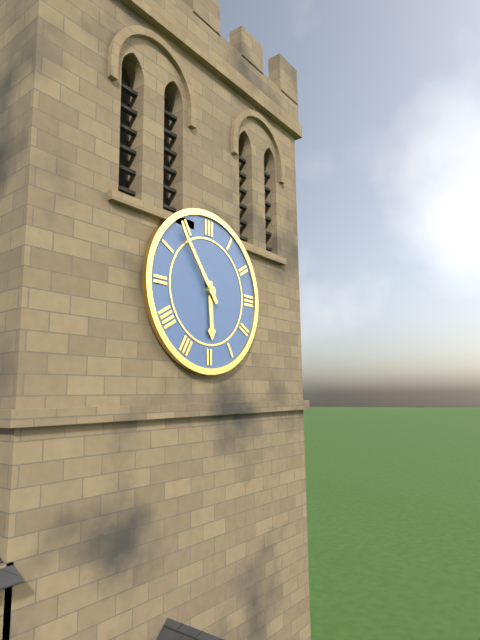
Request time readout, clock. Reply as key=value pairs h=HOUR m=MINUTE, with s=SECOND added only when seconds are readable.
h=5 m=54
